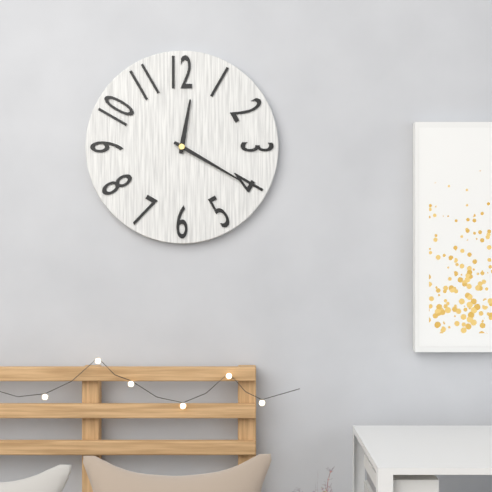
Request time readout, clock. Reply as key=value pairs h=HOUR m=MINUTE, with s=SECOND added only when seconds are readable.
h=12 m=20
